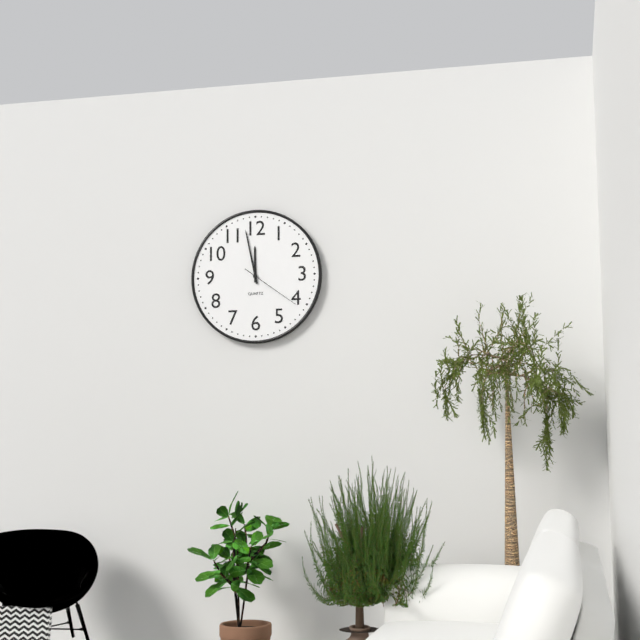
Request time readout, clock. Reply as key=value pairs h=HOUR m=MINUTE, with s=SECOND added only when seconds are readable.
h=11 m=58 s=21
